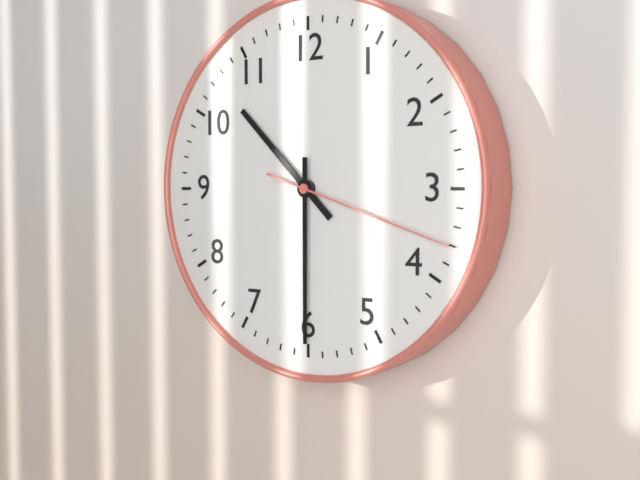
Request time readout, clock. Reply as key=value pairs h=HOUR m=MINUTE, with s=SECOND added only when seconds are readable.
h=10 m=30 s=18
